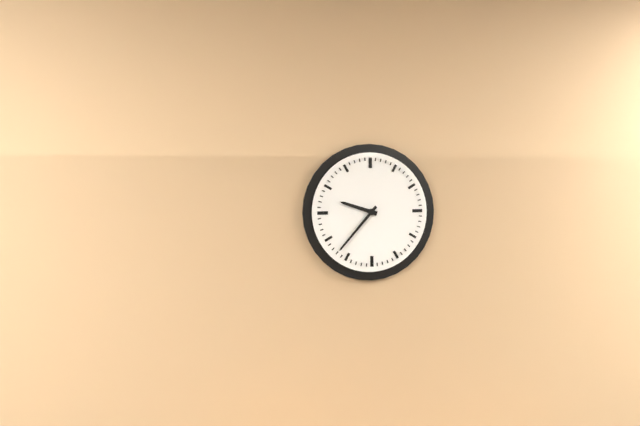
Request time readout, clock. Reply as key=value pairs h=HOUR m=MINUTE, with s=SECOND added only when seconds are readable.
h=9 m=37
